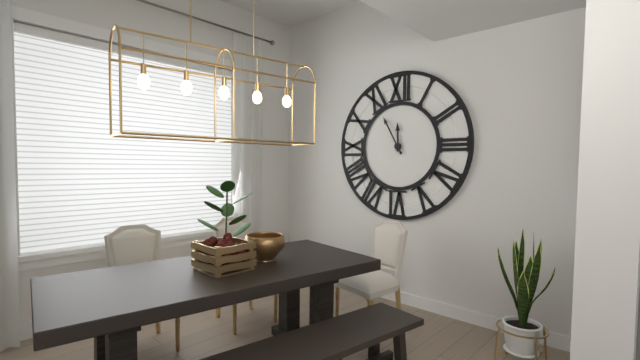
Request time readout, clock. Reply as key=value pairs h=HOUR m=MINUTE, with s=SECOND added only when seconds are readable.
h=11 m=55
